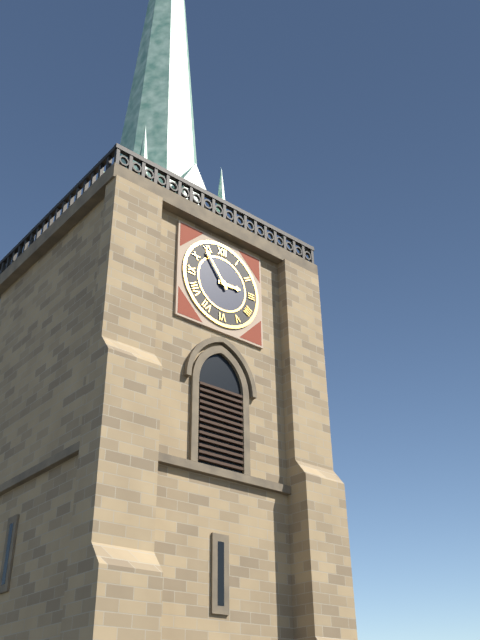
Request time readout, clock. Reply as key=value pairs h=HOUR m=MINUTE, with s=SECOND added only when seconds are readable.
h=2 m=54
